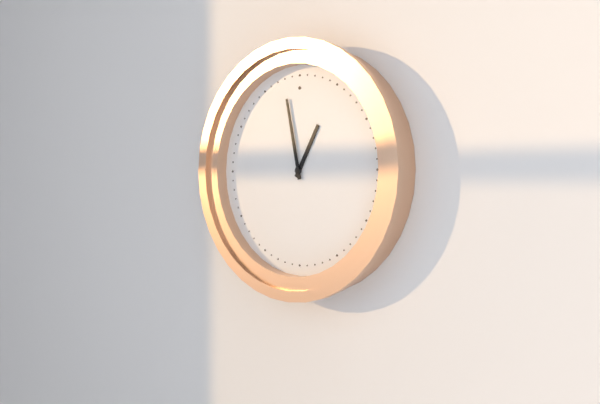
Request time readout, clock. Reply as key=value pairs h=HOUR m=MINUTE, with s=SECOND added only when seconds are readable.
h=12 m=58
